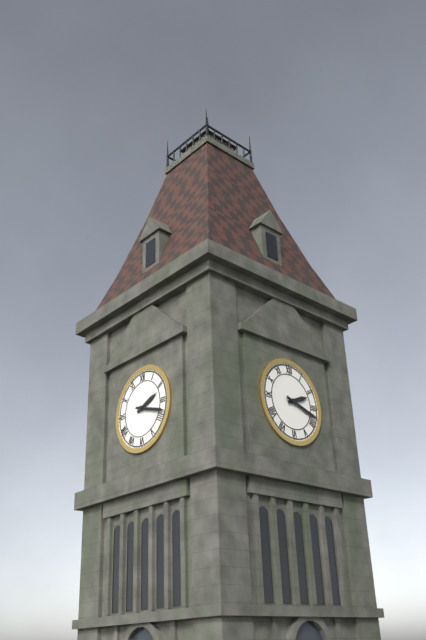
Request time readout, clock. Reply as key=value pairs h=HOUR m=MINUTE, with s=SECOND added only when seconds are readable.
h=2 m=18
